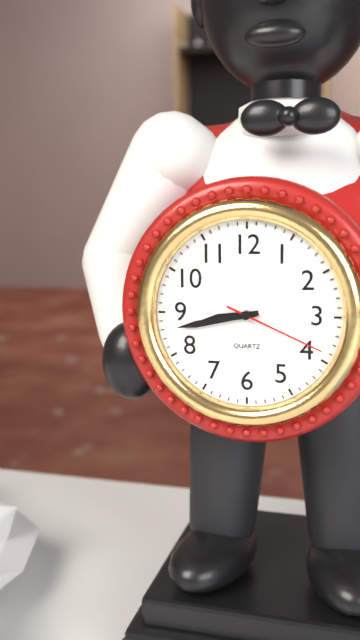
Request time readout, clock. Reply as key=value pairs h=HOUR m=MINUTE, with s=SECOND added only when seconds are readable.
h=8 m=43 s=19
